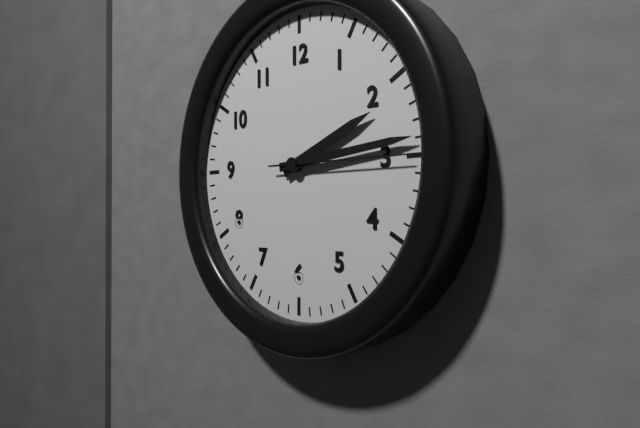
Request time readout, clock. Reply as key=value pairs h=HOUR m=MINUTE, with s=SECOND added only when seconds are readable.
h=2 m=14 s=15
